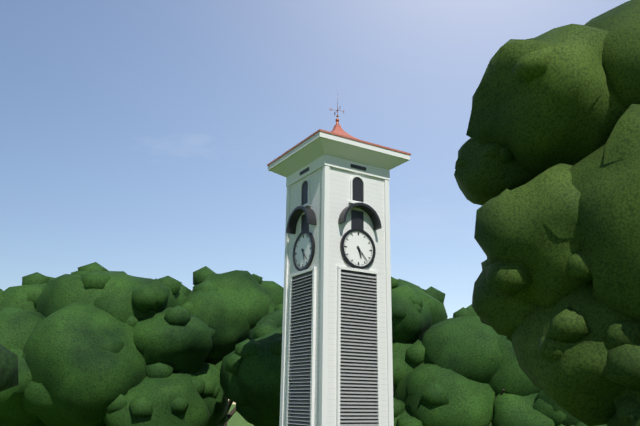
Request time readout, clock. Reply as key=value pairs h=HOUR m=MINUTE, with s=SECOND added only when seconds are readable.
h=5 m=23
